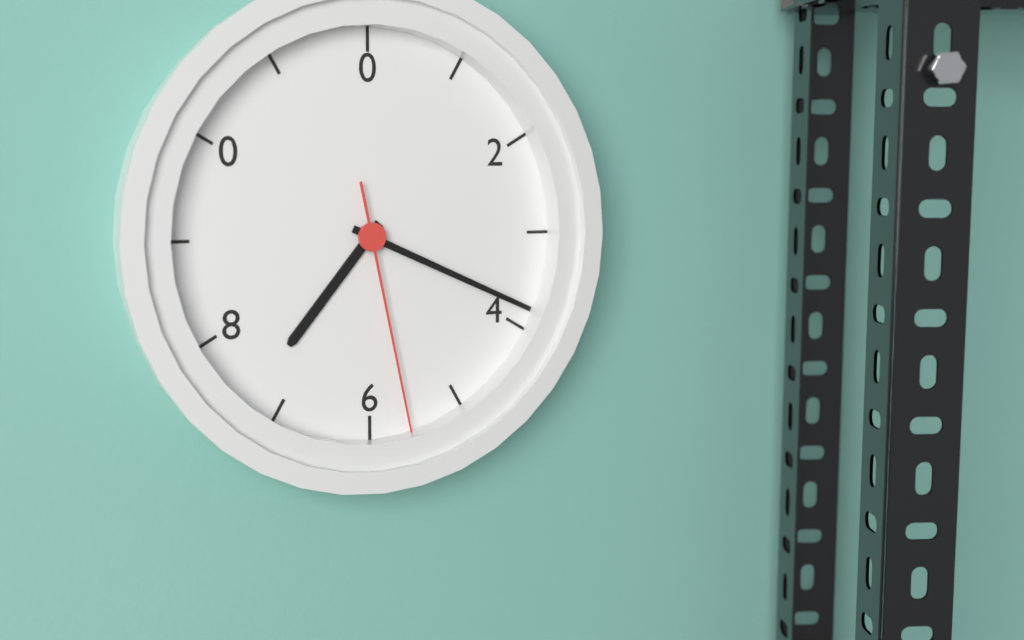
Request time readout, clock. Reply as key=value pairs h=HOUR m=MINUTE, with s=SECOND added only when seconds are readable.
h=7 m=19 s=28
